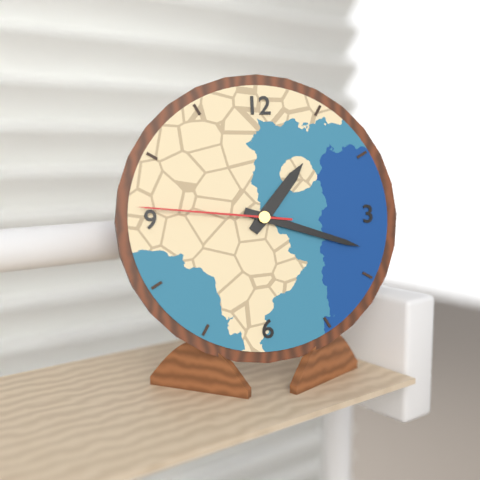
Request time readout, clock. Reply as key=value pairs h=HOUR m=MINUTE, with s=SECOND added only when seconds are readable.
h=1 m=18 s=46
